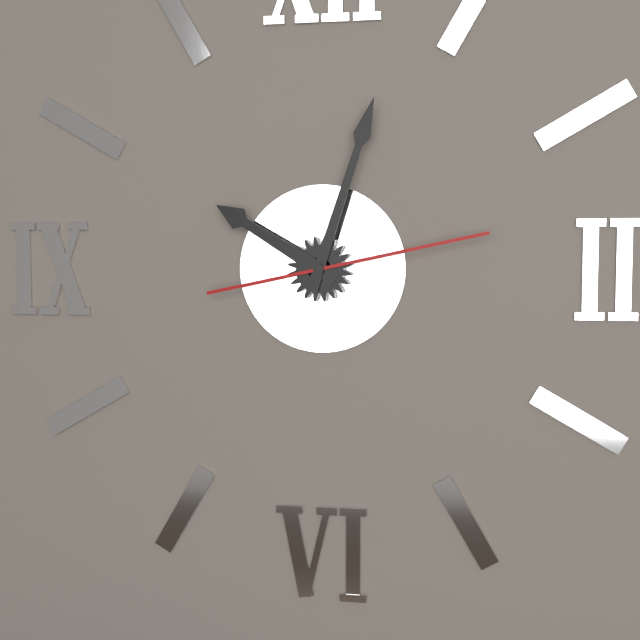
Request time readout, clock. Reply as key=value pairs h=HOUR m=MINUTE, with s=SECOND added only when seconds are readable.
h=10 m=3 s=13
